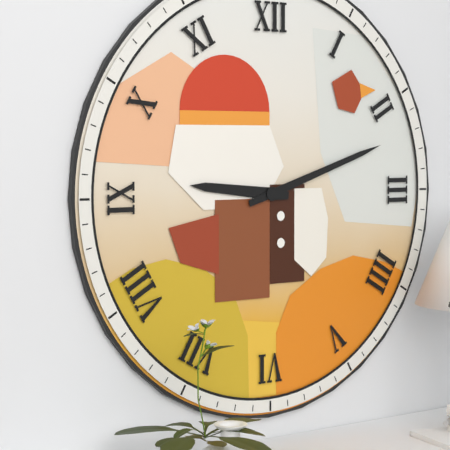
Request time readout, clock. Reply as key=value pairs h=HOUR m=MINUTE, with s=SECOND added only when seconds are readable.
h=9 m=12
